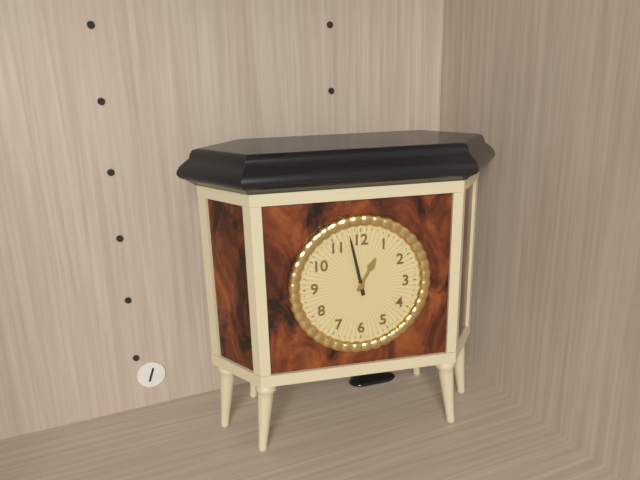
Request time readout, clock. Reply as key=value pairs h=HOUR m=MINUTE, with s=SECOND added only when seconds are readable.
h=12 m=58
